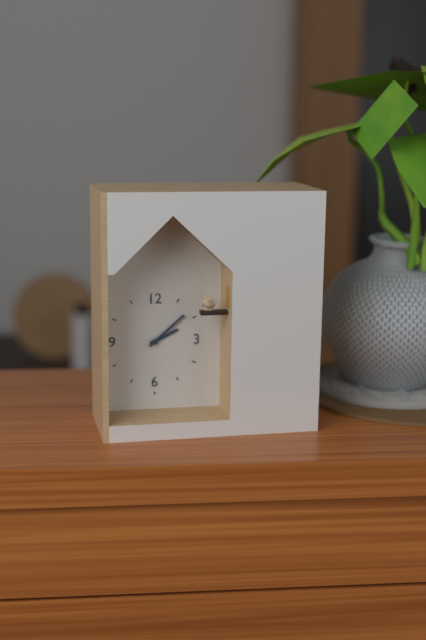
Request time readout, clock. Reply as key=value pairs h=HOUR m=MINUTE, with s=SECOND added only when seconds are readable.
h=2 m=8
